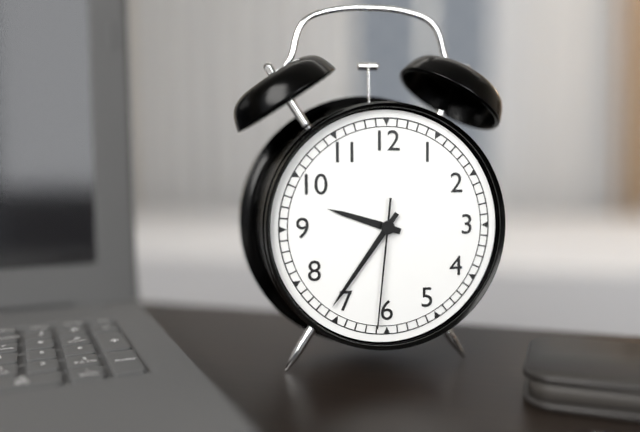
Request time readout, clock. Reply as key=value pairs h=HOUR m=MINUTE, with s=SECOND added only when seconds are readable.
h=9 m=36 s=31
